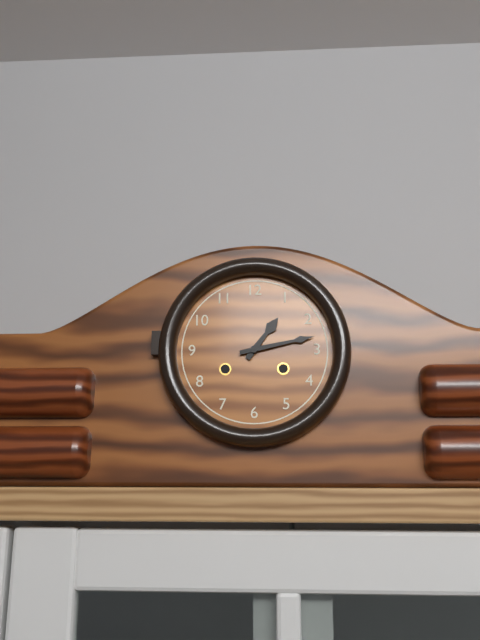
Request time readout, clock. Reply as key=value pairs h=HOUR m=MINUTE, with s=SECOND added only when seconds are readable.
h=1 m=13
